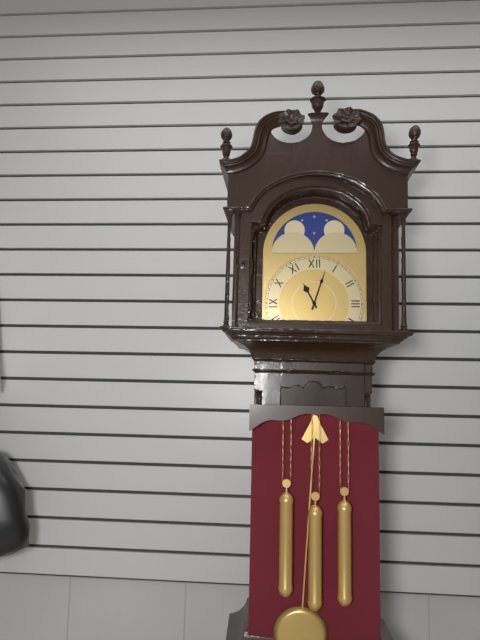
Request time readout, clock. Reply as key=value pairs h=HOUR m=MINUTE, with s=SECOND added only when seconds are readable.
h=11 m=3
